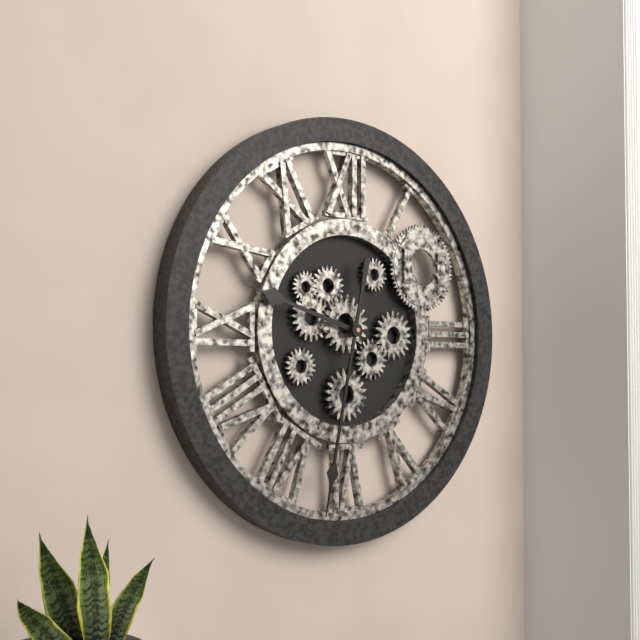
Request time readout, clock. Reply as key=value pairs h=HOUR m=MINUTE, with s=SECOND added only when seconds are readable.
h=9 m=32
